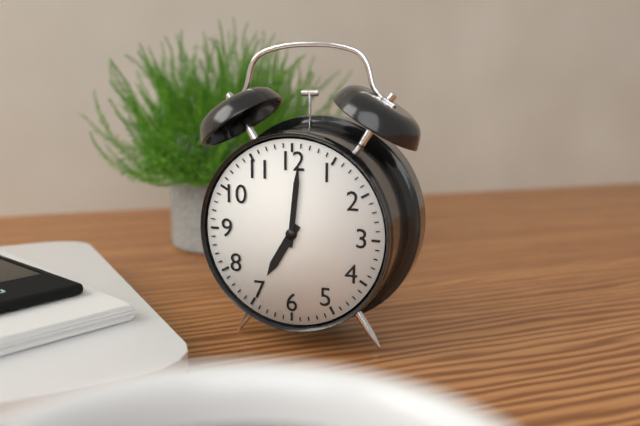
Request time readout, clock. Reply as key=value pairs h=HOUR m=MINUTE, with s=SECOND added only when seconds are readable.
h=7 m=1
